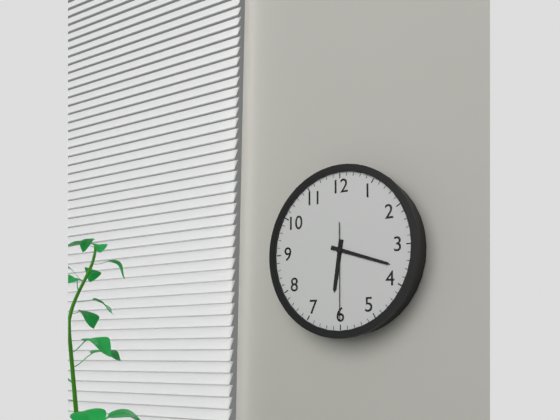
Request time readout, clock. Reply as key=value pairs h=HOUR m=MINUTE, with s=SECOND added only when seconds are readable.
h=6 m=18 s=30
